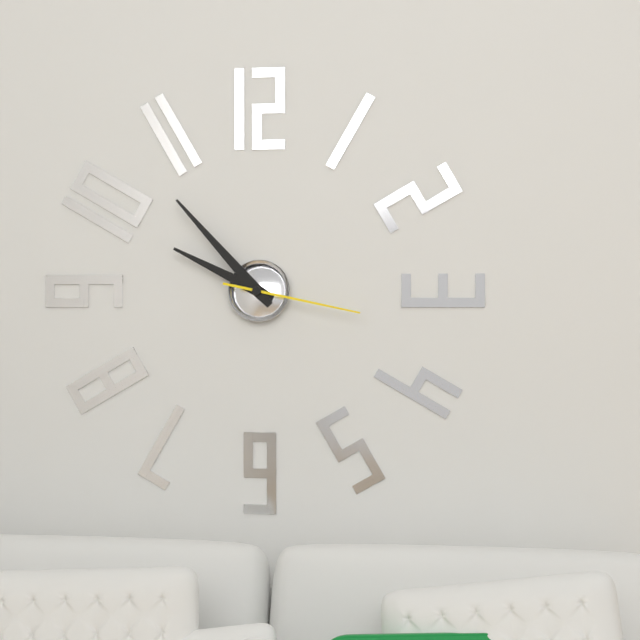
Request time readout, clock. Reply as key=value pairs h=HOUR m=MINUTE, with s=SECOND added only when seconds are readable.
h=9 m=53 s=17
